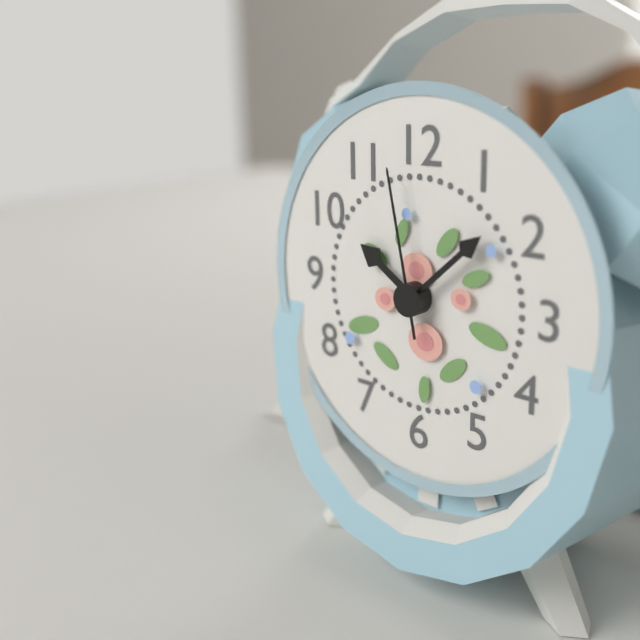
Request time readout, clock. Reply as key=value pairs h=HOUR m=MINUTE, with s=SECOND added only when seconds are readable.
h=10 m=8 s=58
